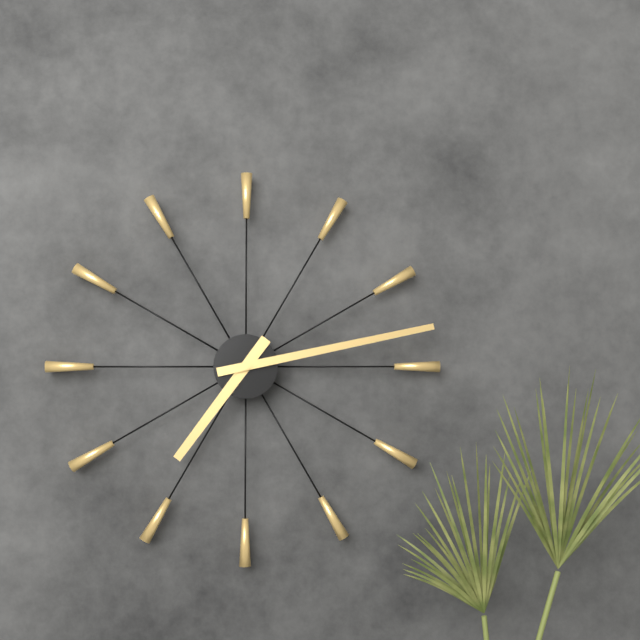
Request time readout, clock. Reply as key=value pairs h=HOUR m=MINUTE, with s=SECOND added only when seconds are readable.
h=7 m=13
